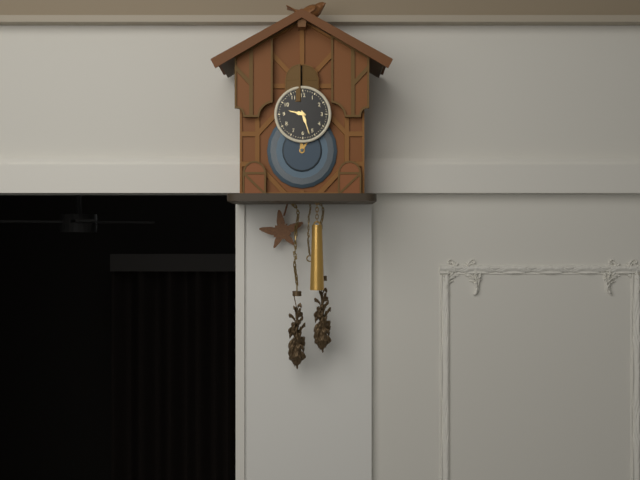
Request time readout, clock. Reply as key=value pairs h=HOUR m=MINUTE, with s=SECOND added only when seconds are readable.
h=9 m=27
